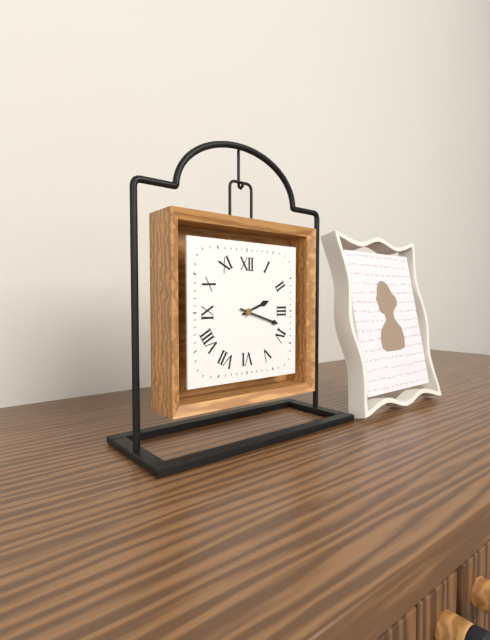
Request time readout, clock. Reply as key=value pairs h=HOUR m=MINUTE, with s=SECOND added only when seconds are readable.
h=2 m=18
